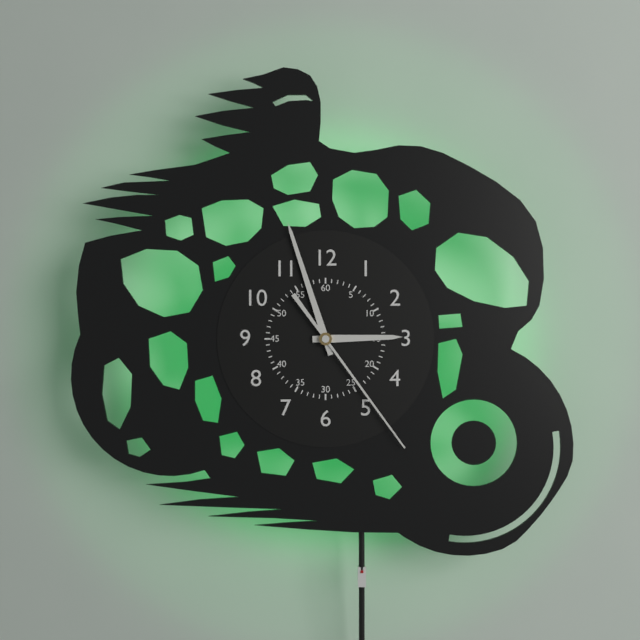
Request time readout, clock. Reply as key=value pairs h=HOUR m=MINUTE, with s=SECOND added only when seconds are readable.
h=2 m=57 s=24
